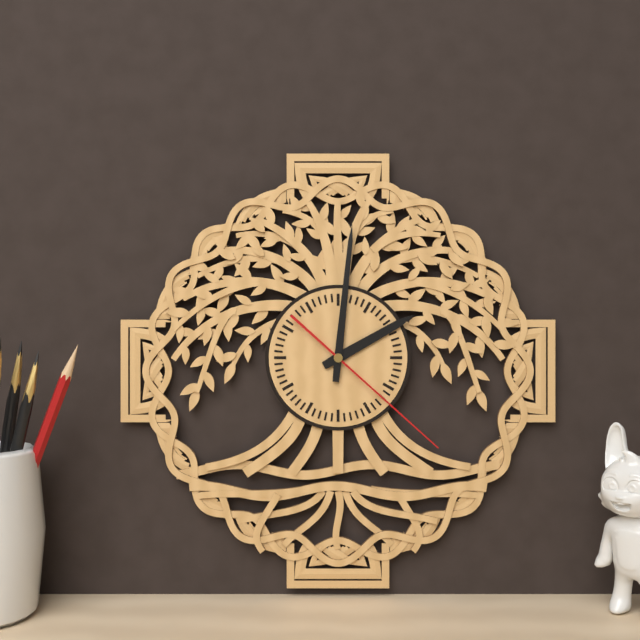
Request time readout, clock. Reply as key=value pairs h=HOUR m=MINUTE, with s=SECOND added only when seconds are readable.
h=2 m=1 s=22
